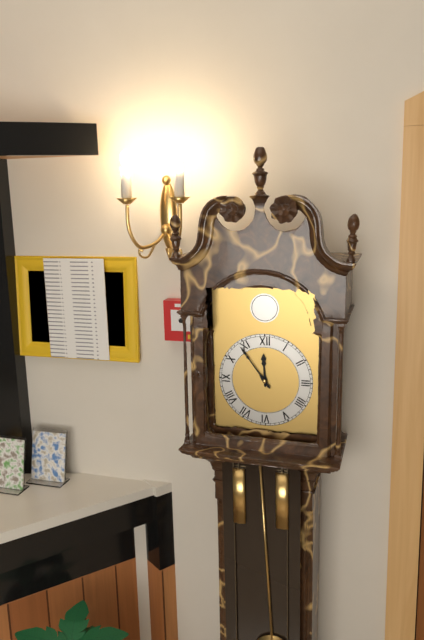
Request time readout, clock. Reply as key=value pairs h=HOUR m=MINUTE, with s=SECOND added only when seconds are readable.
h=11 m=54
